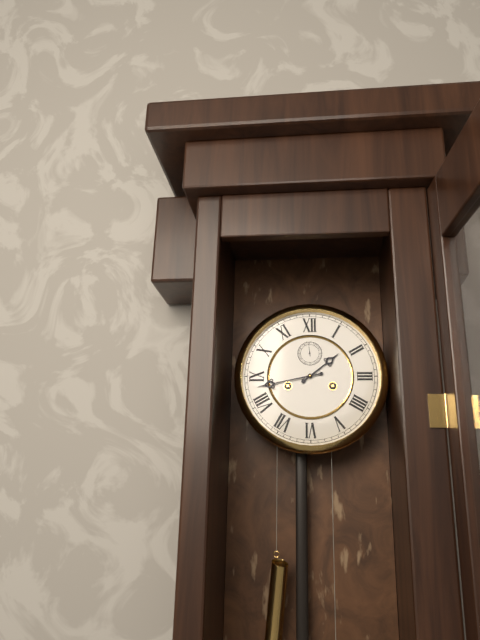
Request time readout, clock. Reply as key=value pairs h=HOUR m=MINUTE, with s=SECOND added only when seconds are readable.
h=1 m=43
